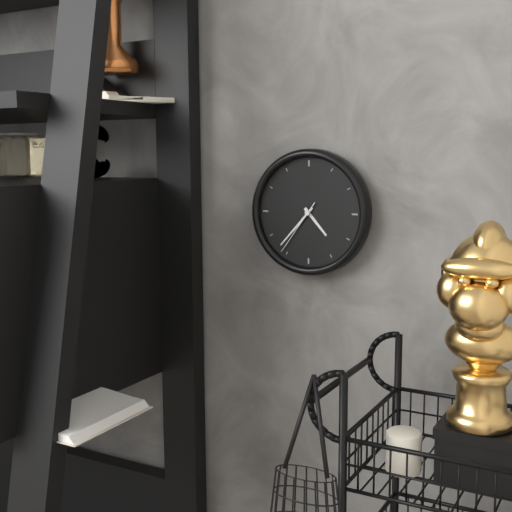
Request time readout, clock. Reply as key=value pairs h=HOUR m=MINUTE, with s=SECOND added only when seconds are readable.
h=4 m=37 s=36
